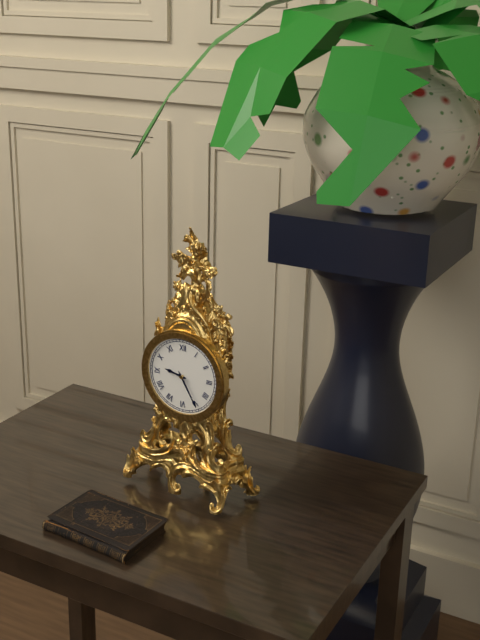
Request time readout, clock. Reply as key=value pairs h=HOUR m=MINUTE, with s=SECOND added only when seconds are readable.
h=9 m=25
